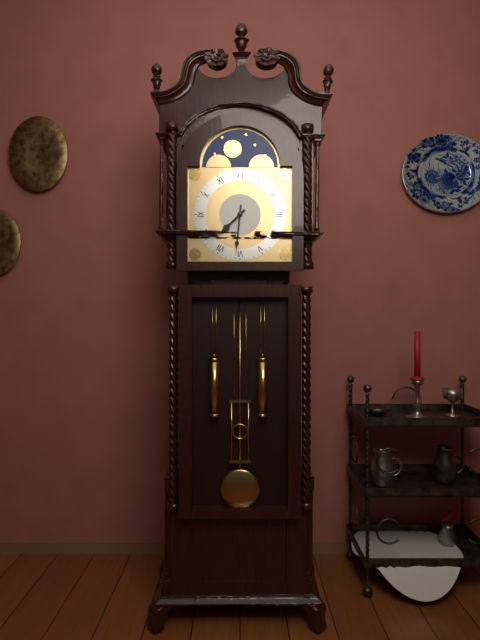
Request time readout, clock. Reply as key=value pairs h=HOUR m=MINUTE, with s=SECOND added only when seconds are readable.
h=7 m=31
